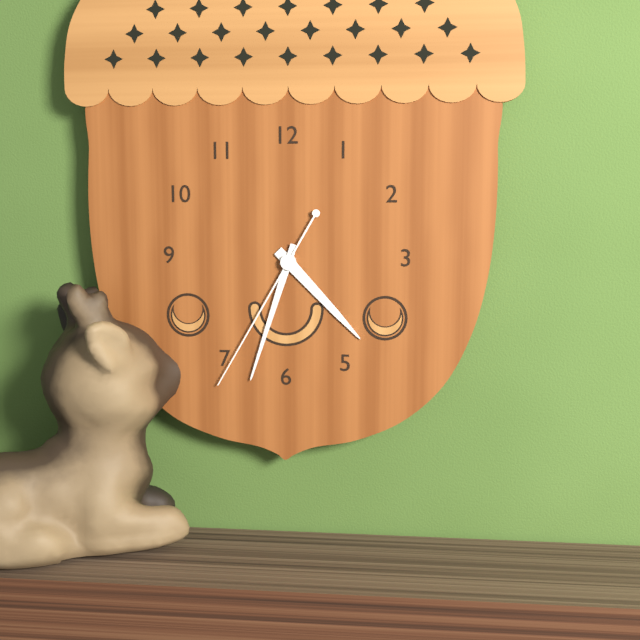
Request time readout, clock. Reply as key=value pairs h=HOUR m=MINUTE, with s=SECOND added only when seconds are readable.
h=4 m=33 s=35
